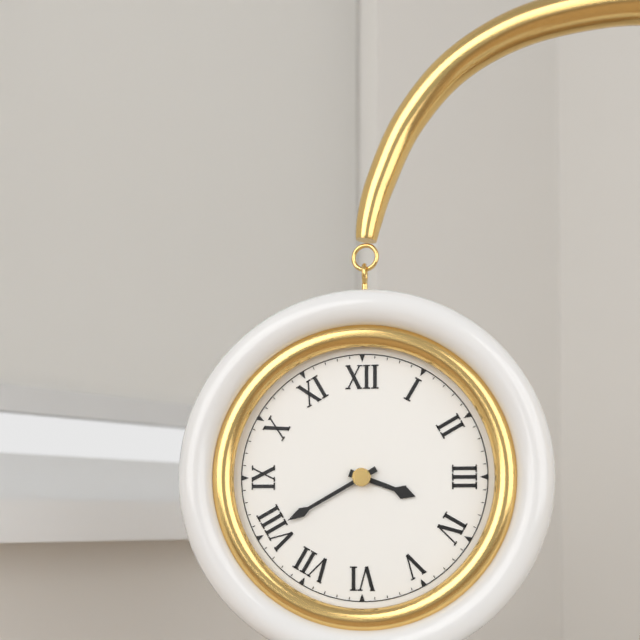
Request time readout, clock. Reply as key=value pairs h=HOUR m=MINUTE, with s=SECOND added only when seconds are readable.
h=3 m=40
